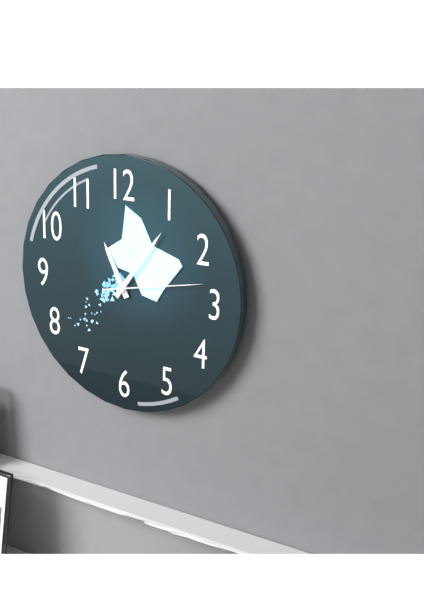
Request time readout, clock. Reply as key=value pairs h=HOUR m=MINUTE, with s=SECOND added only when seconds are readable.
h=11 m=6 s=13
